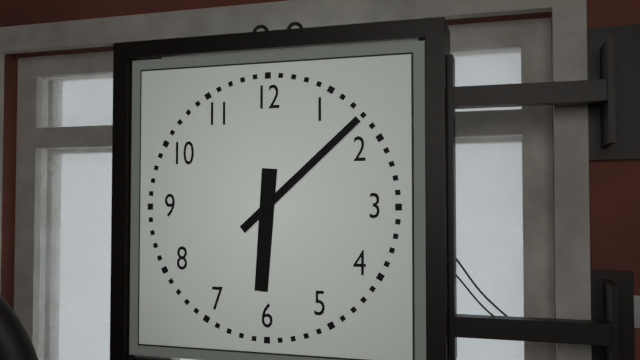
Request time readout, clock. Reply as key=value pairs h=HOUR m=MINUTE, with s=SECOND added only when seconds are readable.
h=6 m=8
